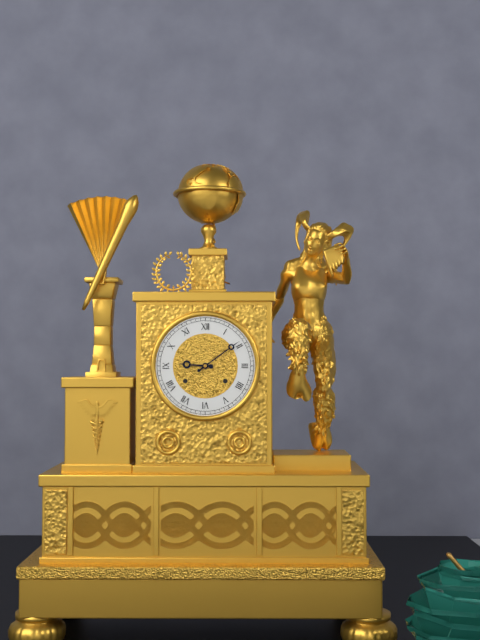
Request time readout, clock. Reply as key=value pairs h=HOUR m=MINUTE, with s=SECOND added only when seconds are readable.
h=9 m=9
